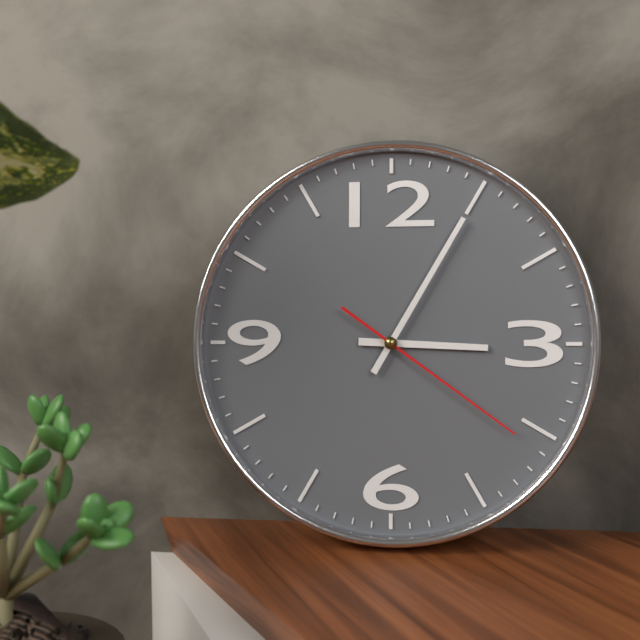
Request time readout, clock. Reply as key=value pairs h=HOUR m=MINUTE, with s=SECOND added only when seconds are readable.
h=3 m=5 s=21
